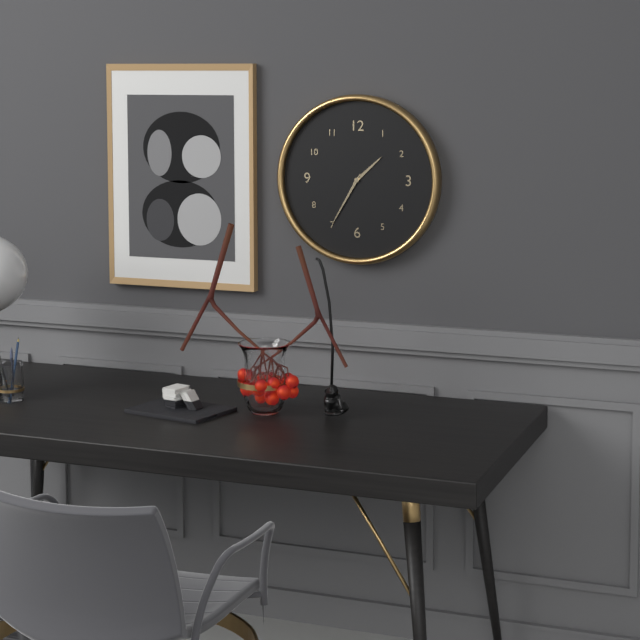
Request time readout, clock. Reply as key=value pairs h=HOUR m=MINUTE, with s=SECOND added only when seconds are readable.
h=1 m=35
